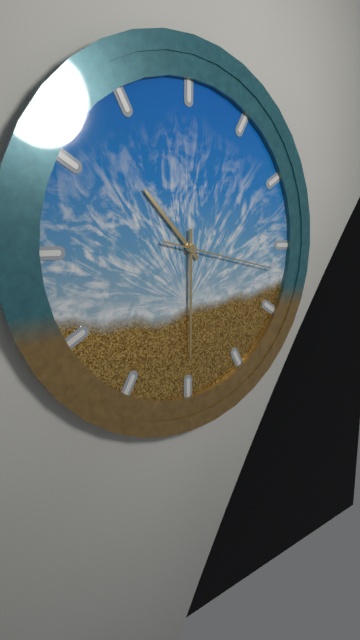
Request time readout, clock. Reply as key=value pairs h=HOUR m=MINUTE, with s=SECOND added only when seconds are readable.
h=10 m=30 s=17
